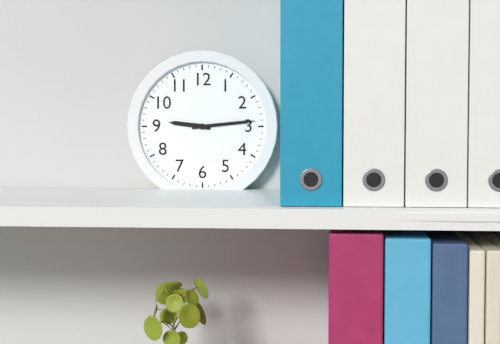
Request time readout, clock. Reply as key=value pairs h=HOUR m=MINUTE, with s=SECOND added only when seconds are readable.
h=9 m=14
